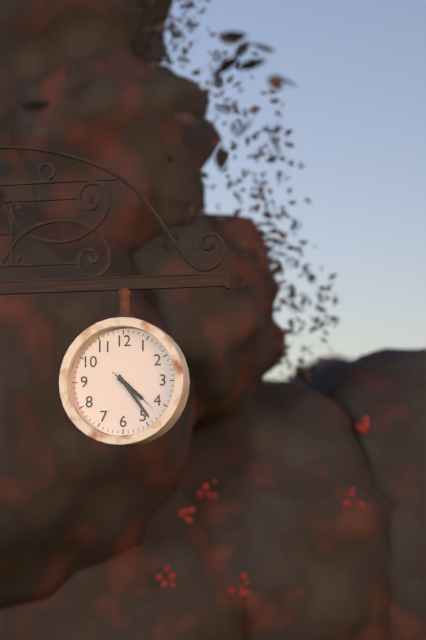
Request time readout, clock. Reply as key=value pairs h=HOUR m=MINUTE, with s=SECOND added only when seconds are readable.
h=4 m=24 s=22
